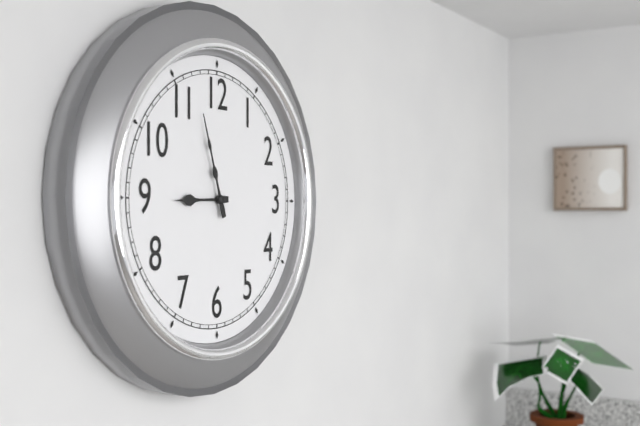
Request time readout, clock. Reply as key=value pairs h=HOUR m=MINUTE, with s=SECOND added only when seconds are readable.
h=8 m=57
